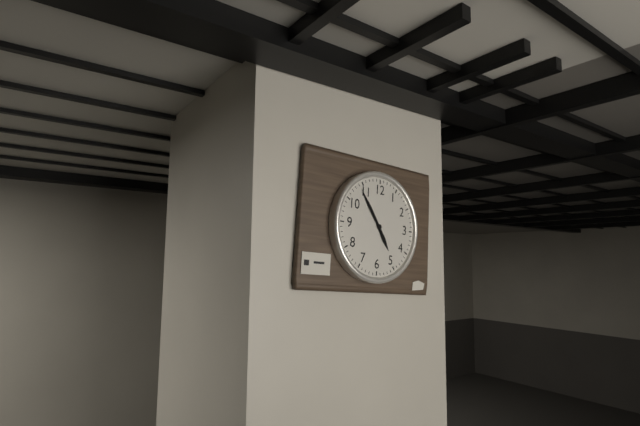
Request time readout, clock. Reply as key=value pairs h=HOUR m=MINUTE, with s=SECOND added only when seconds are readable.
h=4 m=54
